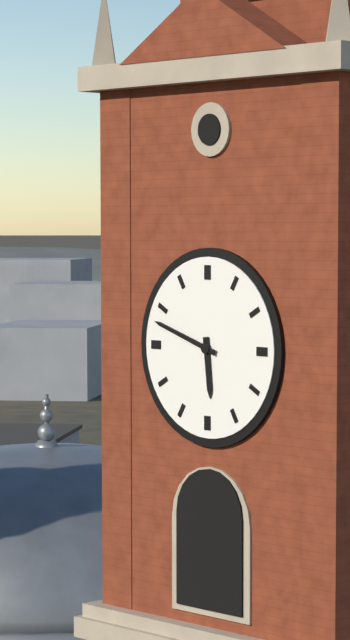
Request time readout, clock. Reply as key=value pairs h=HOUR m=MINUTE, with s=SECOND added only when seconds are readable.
h=5 m=48
